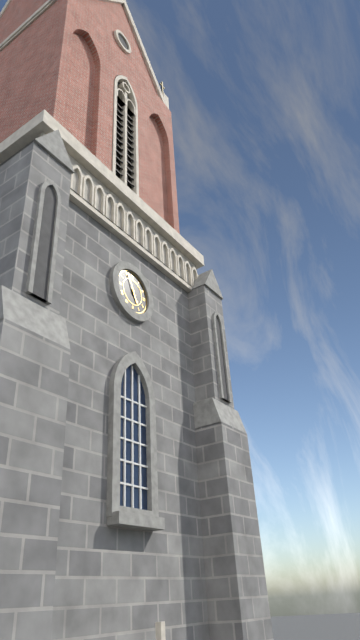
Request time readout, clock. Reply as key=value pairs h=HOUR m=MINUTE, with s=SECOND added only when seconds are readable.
h=4 m=56
